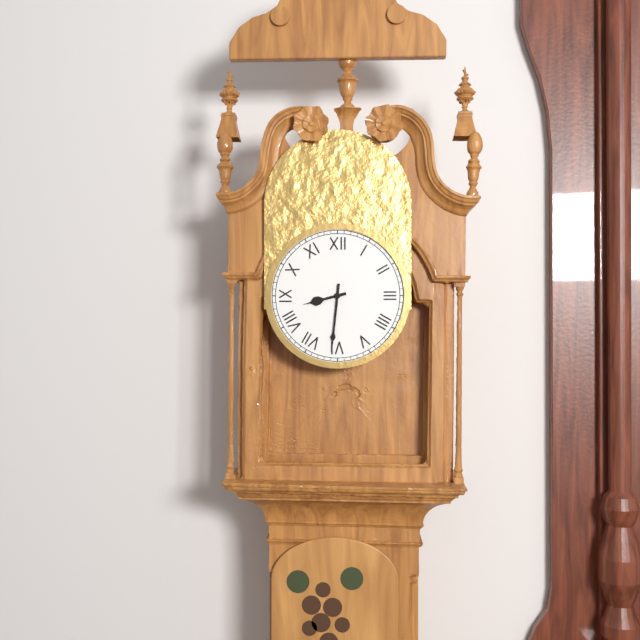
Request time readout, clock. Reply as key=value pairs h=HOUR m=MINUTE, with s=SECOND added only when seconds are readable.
h=8 m=31
